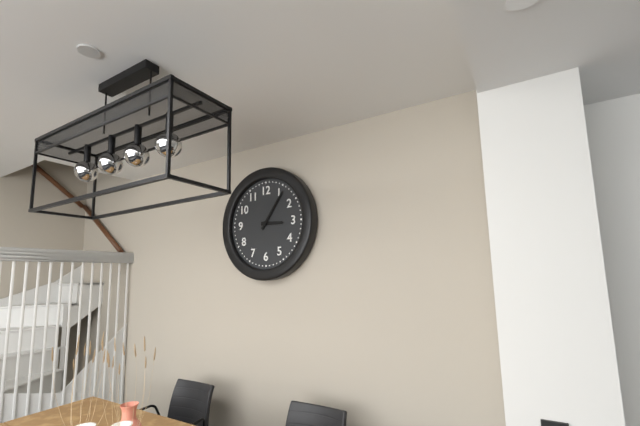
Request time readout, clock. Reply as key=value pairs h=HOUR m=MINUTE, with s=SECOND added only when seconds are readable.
h=3 m=6
